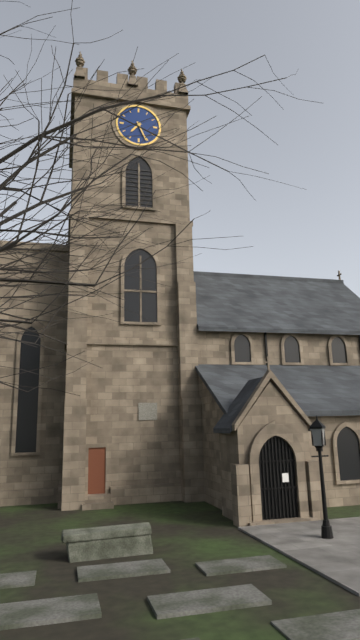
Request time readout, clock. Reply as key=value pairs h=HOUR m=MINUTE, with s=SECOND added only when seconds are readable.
h=7 m=26
